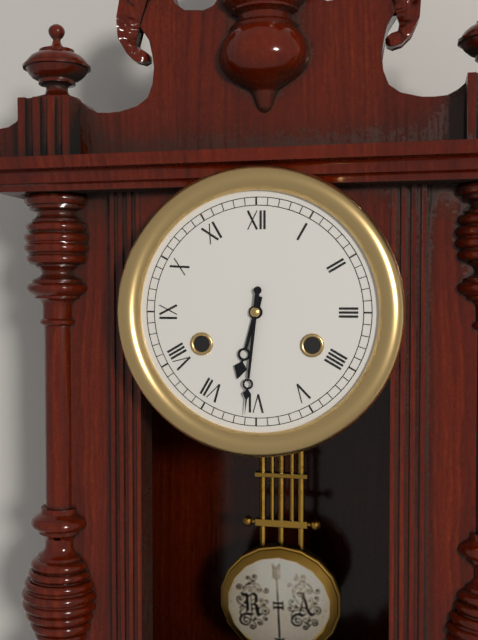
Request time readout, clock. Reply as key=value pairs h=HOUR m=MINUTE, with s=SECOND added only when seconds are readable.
h=6 m=31
